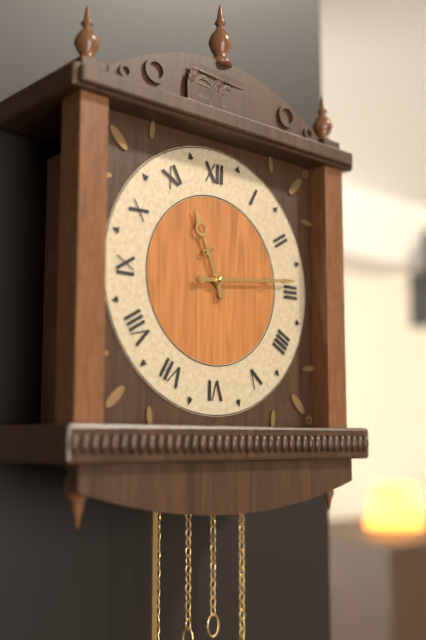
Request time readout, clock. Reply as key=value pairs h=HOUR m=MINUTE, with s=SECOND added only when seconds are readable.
h=11 m=14
